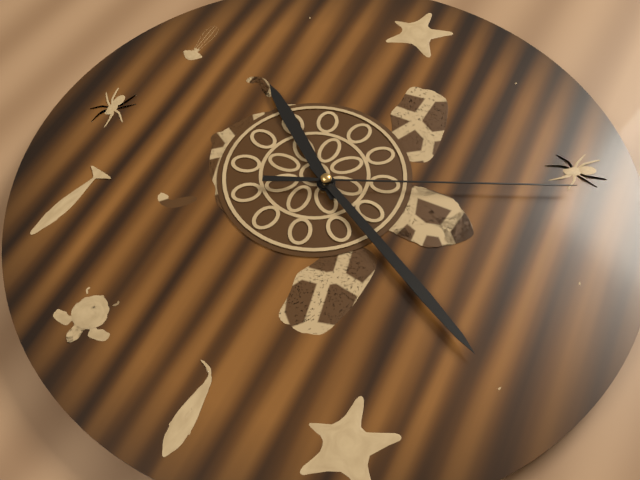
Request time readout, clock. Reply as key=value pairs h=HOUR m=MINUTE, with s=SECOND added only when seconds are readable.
h=10 m=20 s=11
